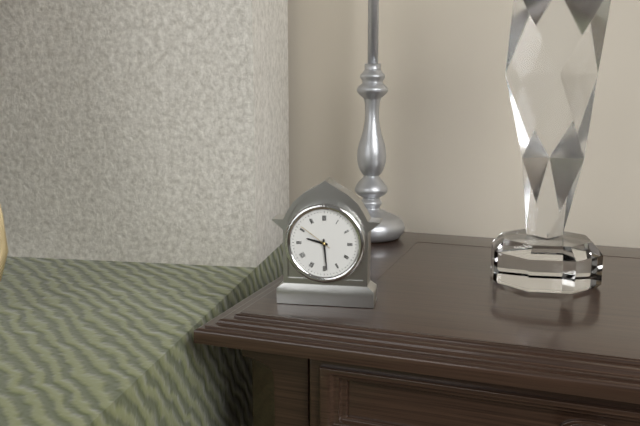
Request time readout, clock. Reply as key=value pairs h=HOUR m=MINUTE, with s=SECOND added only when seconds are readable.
h=9 m=29
